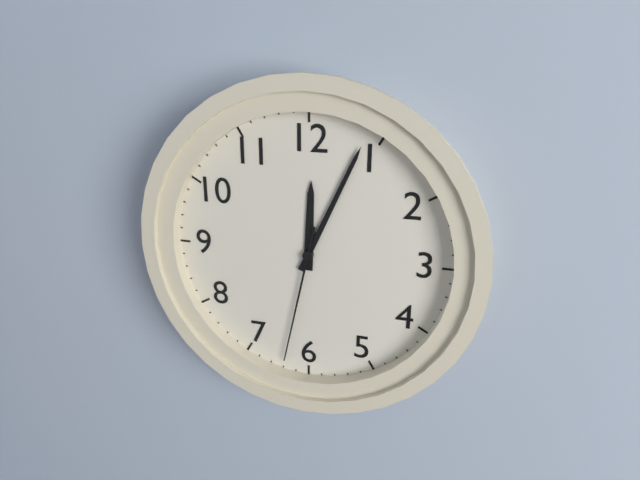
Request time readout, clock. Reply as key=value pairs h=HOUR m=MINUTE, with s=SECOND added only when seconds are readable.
h=12 m=4 s=32
